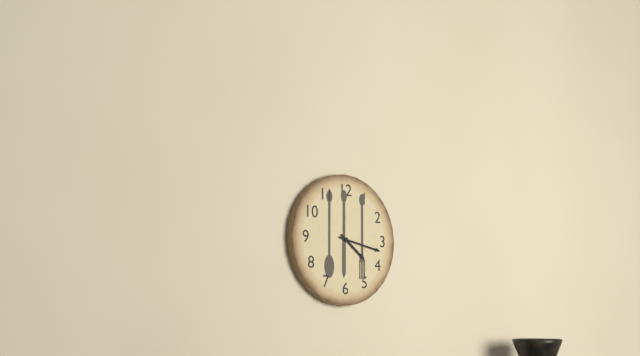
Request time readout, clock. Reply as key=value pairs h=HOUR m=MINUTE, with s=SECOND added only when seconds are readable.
h=4 m=17
